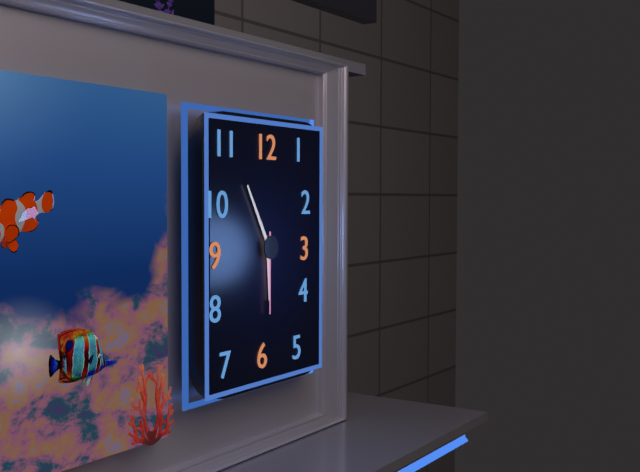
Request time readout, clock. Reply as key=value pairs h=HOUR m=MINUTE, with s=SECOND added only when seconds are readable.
h=5 m=55 s=30
